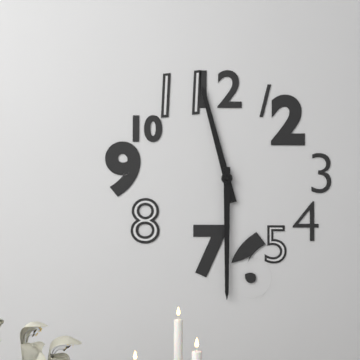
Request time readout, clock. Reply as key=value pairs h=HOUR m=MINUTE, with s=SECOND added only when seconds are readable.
h=11 m=30
